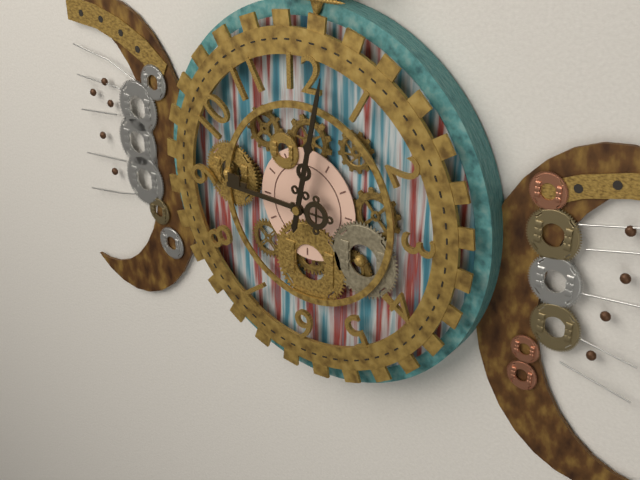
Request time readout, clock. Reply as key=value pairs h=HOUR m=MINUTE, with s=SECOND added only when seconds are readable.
h=9 m=2
